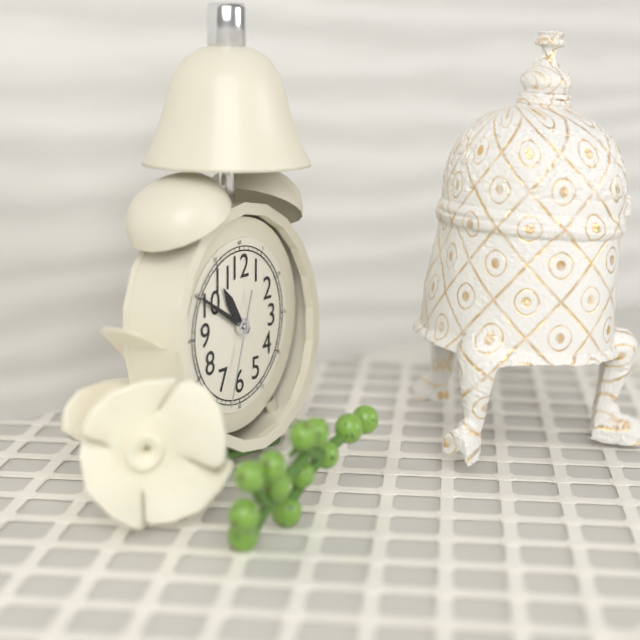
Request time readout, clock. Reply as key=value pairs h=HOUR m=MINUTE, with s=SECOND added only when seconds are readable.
h=10 m=50 s=33
